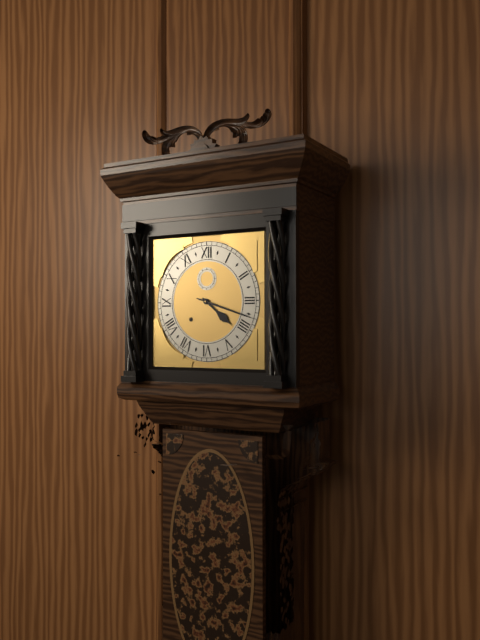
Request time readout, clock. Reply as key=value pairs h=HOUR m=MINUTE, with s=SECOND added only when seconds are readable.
h=4 m=18
